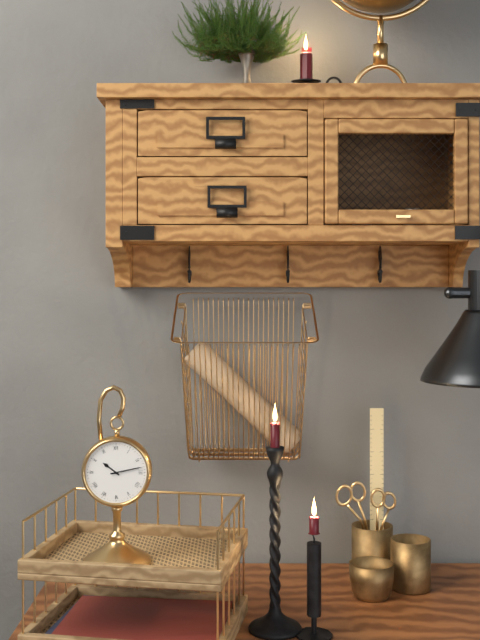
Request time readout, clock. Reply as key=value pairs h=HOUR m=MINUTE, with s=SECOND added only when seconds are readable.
h=10 m=13
